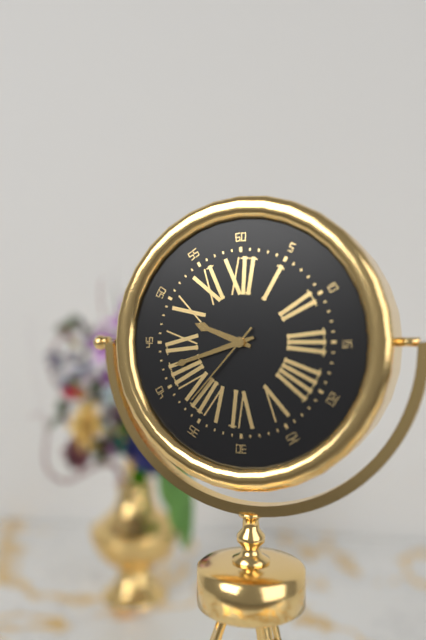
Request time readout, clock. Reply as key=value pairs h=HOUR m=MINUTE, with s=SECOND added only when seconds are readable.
h=9 m=42 s=37
